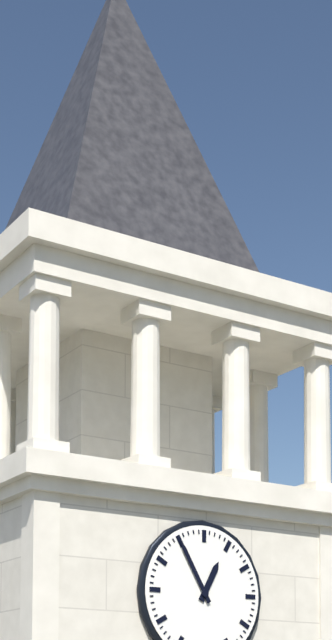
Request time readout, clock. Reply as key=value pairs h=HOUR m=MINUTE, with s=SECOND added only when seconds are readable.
h=12 m=55
